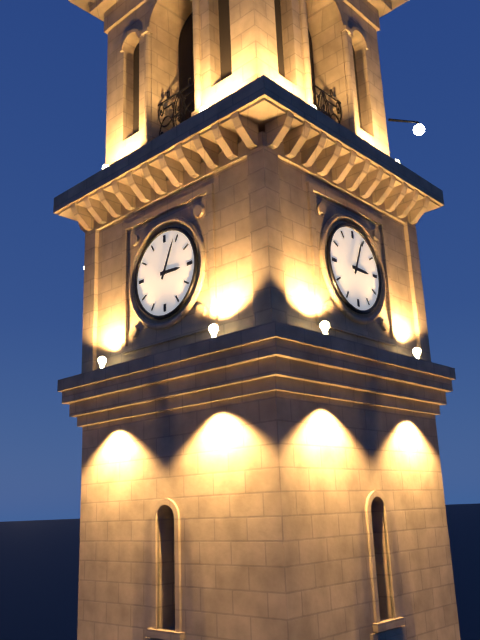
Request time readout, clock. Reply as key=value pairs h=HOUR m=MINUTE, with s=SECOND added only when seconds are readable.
h=3 m=4
